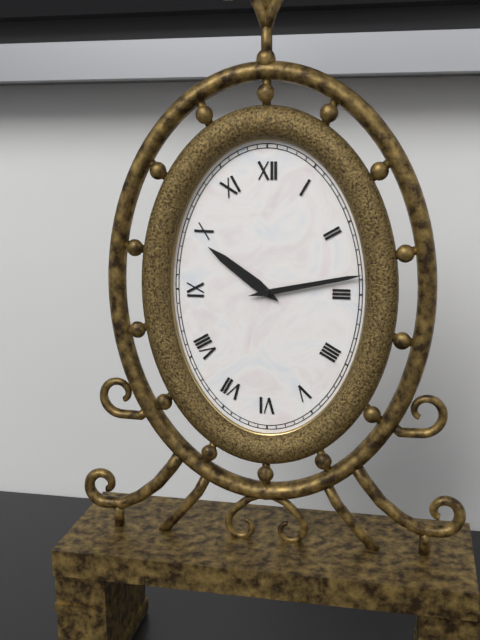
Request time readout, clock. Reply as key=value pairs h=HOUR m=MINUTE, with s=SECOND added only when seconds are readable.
h=10 m=13
